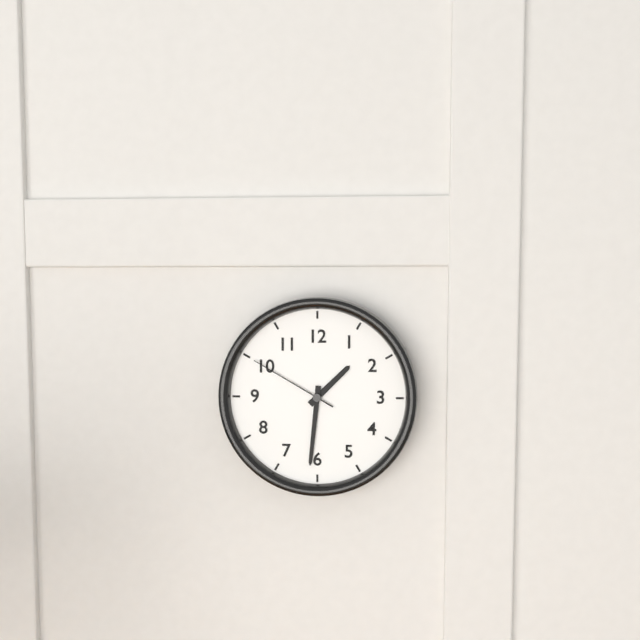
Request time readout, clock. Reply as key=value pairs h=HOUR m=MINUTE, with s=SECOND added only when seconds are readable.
h=1 m=31 s=50
